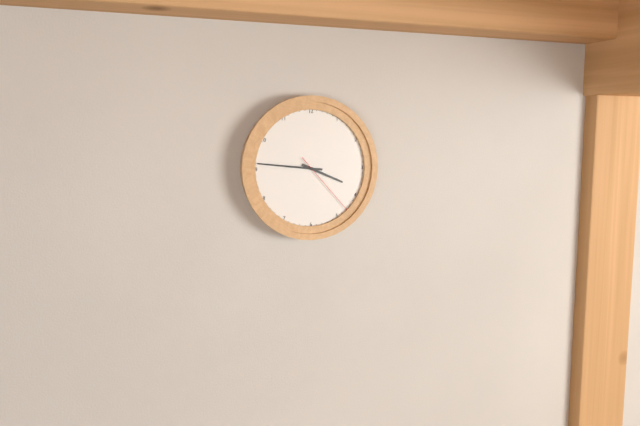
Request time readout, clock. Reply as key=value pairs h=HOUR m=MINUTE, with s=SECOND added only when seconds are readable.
h=3 m=46 s=23
